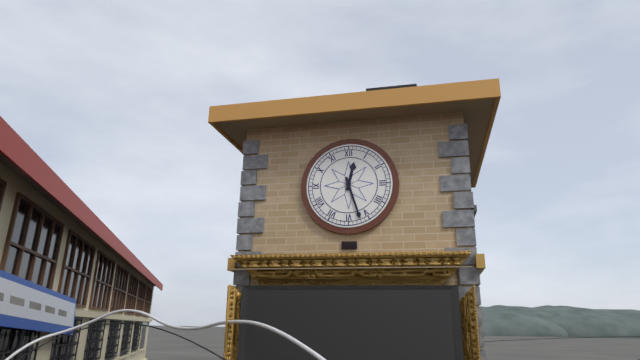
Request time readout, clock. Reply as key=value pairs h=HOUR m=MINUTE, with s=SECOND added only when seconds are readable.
h=12 m=27
